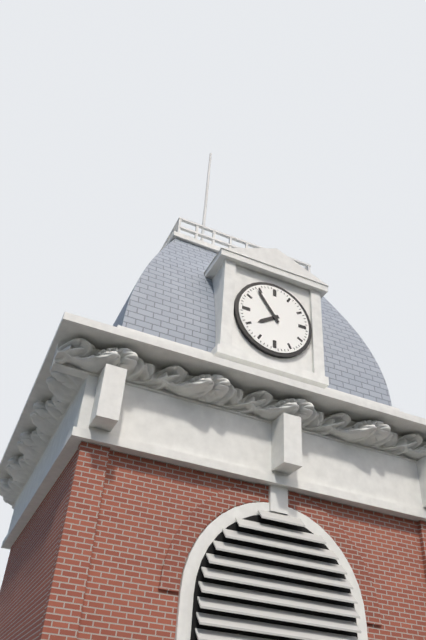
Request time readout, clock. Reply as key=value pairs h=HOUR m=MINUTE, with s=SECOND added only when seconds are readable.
h=7 m=54
